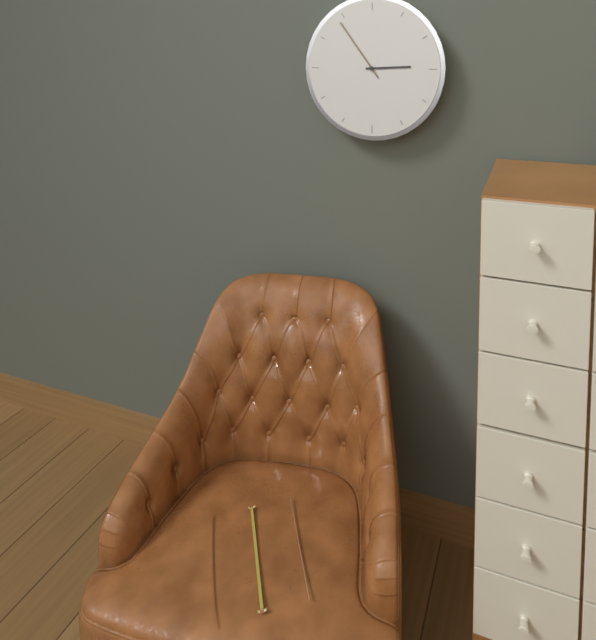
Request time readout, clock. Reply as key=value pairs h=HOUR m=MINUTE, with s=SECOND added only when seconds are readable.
h=2 m=54
